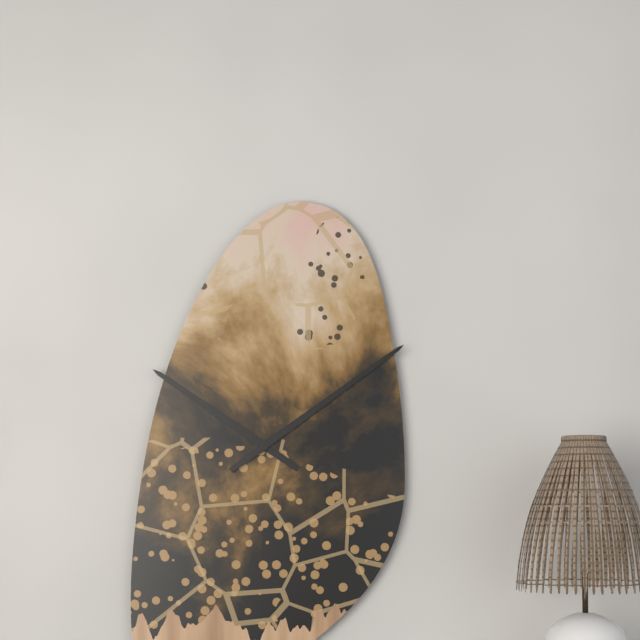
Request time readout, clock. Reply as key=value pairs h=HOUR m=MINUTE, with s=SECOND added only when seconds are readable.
h=10 m=9
